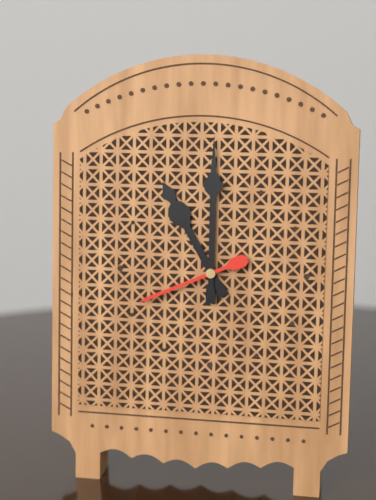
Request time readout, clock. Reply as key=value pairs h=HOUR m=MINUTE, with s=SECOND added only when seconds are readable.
h=11 m=0 s=41
